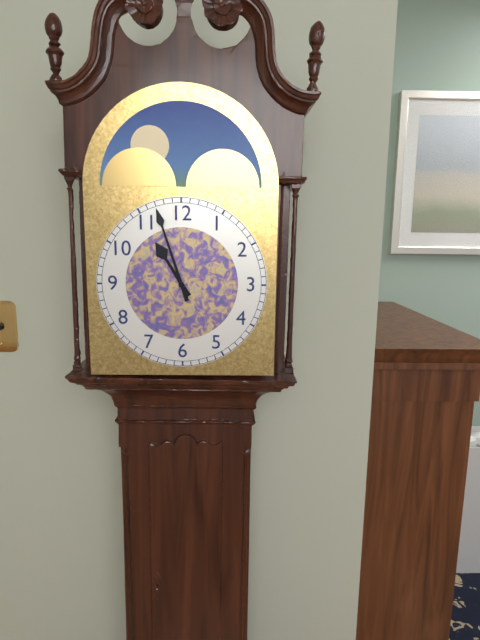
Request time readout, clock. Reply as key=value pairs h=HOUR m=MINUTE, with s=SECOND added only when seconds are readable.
h=10 m=57
